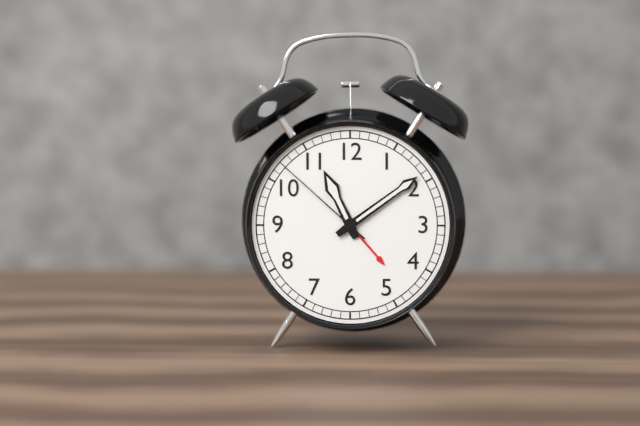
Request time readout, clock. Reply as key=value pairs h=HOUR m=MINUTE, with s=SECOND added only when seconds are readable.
h=11 m=9 s=52
